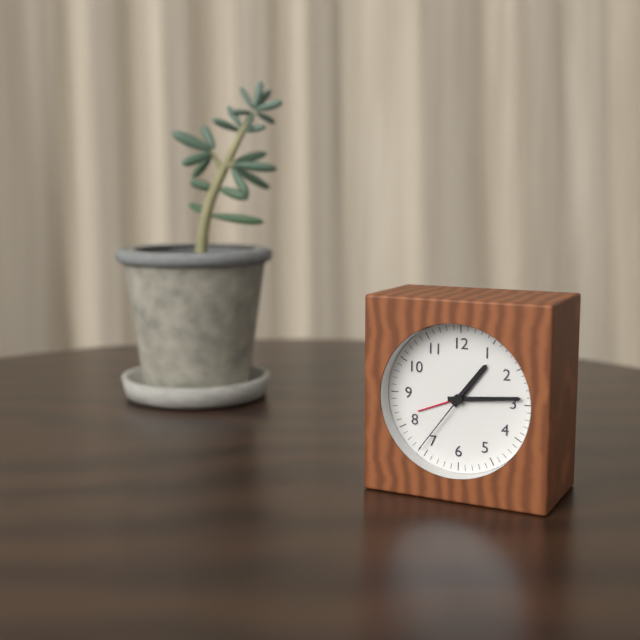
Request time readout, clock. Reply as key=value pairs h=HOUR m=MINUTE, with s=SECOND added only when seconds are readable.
h=1 m=14 s=36
